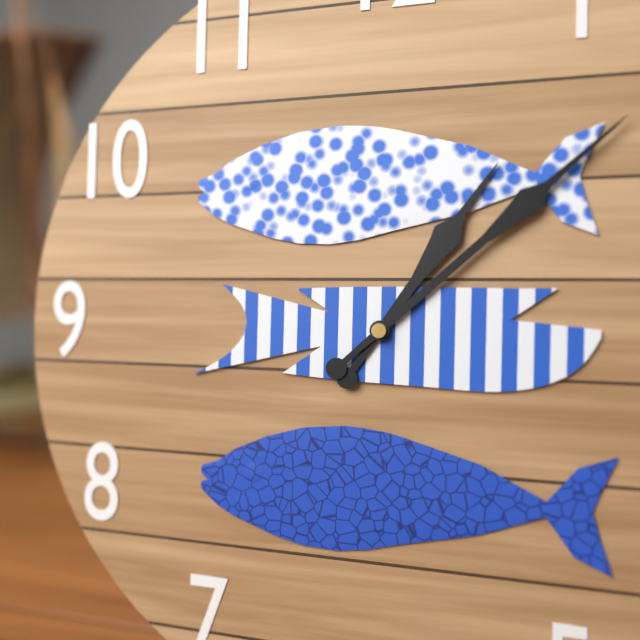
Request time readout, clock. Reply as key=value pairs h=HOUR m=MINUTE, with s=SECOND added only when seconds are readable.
h=1 m=8
